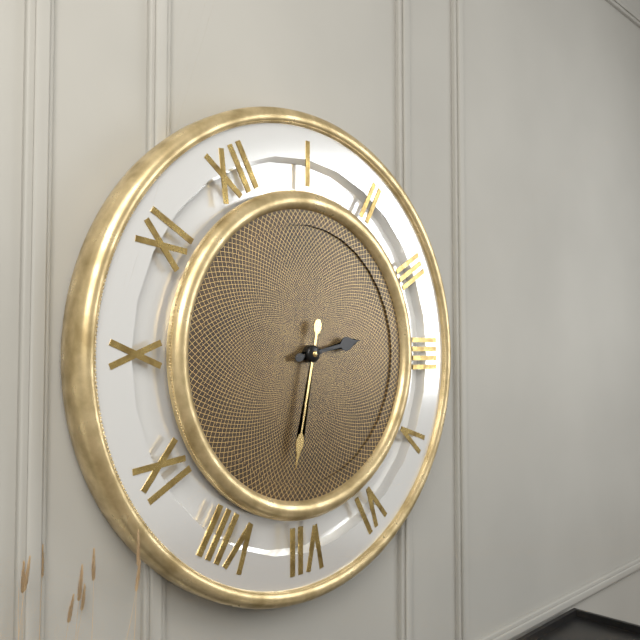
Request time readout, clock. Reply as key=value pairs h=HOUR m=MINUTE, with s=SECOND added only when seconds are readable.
h=3 m=37
